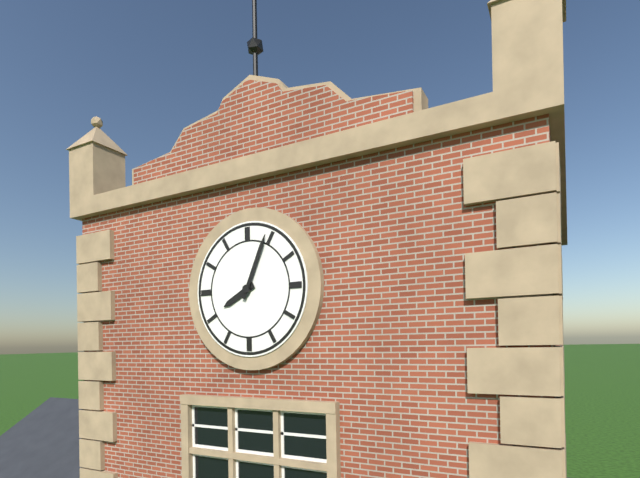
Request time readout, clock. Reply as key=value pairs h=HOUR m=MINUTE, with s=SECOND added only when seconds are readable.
h=8 m=4
